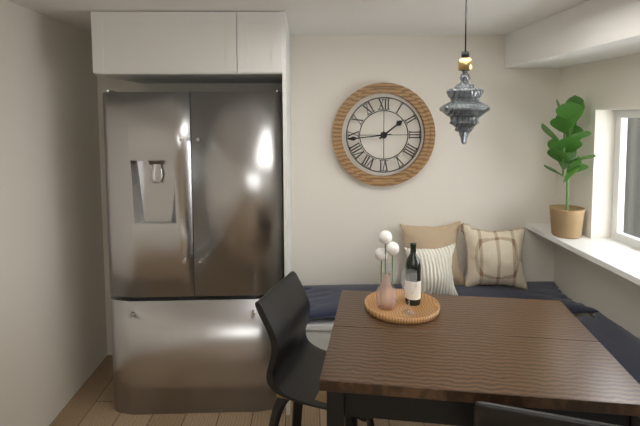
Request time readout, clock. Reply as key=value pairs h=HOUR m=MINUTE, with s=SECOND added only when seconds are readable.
h=1 m=44
